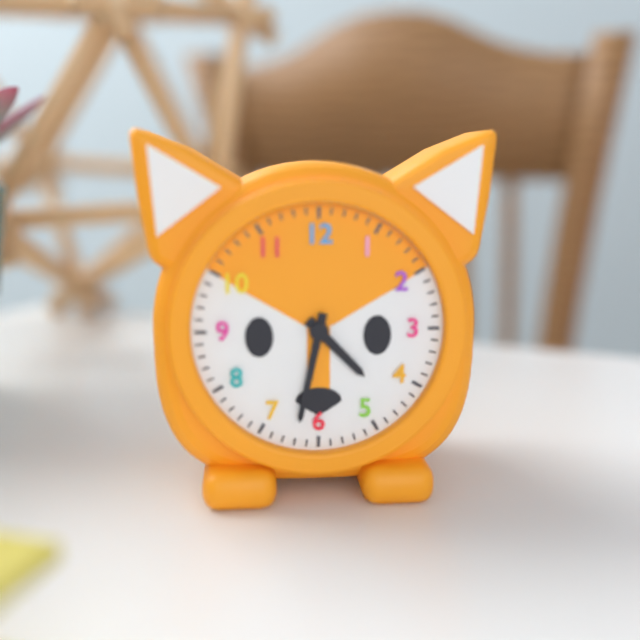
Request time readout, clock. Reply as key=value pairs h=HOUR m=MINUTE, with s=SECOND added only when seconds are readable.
h=4 m=32
